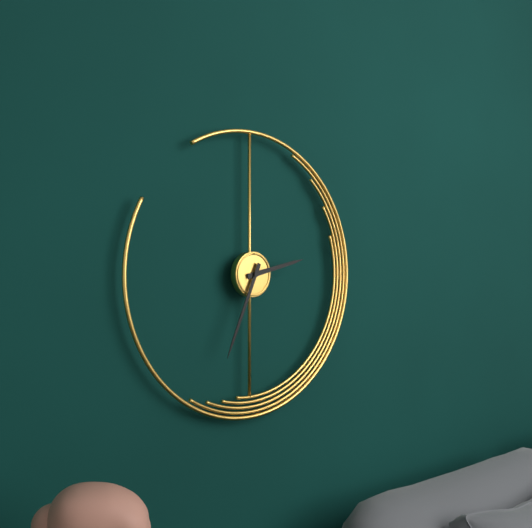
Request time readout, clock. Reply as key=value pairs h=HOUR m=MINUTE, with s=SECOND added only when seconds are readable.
h=2 m=34
